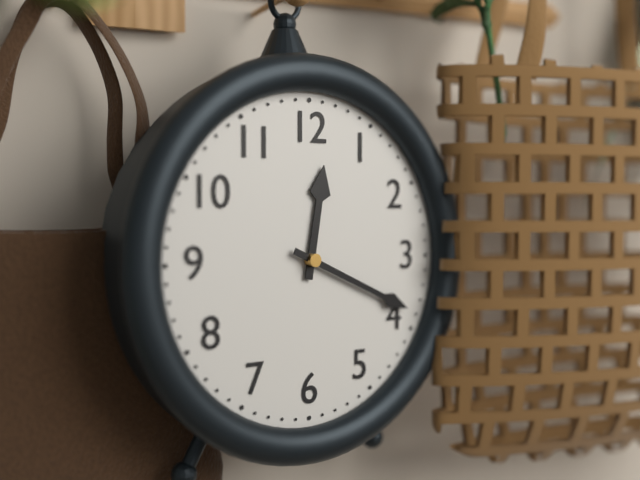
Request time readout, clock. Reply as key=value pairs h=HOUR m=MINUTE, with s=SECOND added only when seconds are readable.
h=12 m=19
